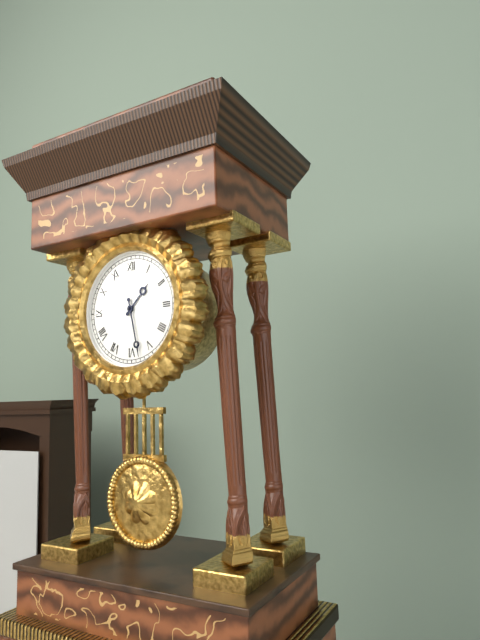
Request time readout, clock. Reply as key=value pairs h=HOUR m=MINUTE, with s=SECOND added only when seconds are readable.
h=1 m=28
